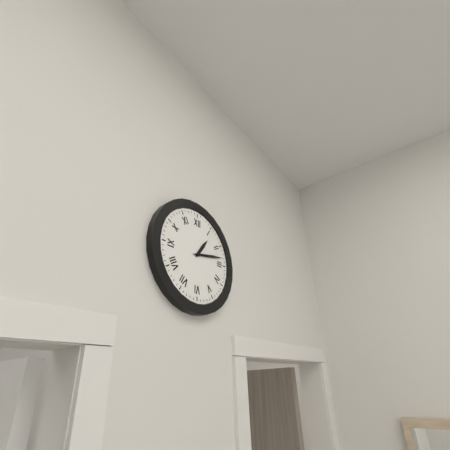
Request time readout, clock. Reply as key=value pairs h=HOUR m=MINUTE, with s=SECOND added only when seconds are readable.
h=1 m=13
